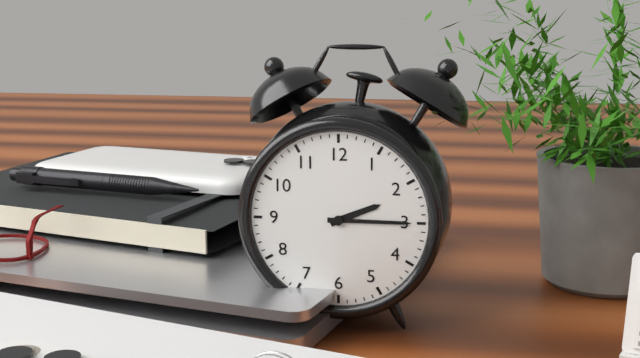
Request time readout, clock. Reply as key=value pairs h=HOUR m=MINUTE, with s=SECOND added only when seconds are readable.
h=2 m=15
